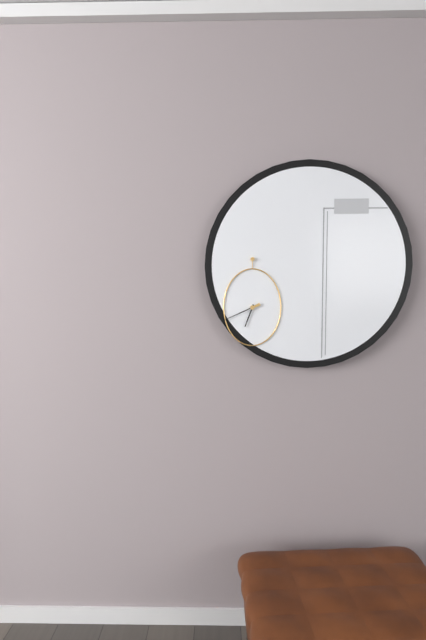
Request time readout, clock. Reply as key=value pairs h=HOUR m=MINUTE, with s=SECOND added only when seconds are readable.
h=6 m=41
